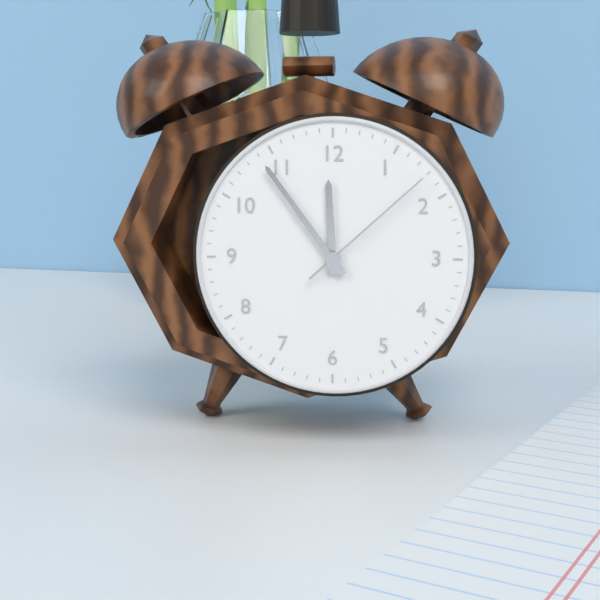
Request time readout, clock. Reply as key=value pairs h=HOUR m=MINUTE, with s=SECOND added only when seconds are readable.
h=11 m=54 s=8
